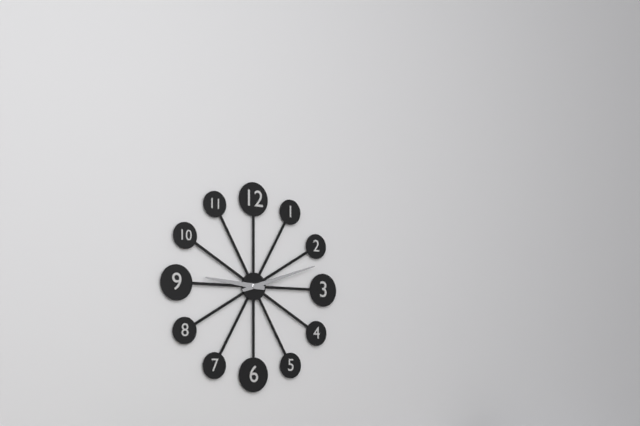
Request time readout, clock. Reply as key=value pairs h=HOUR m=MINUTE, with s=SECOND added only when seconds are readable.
h=9 m=12
